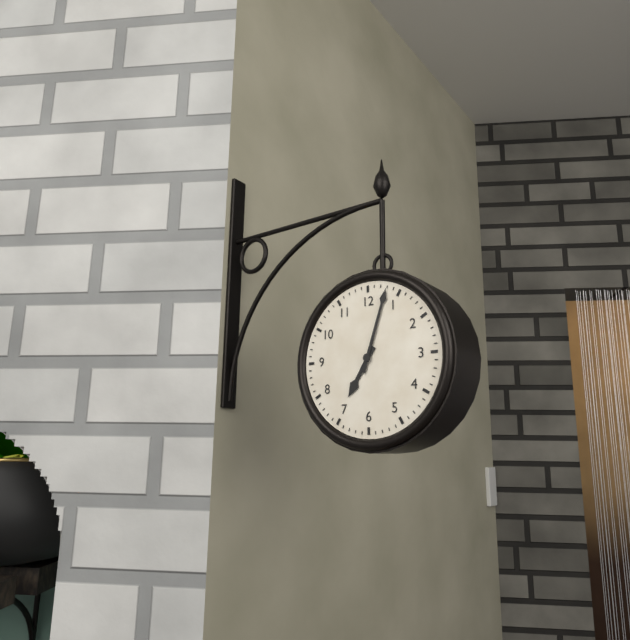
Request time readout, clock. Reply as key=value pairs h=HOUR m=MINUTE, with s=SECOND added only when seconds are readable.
h=7 m=3
